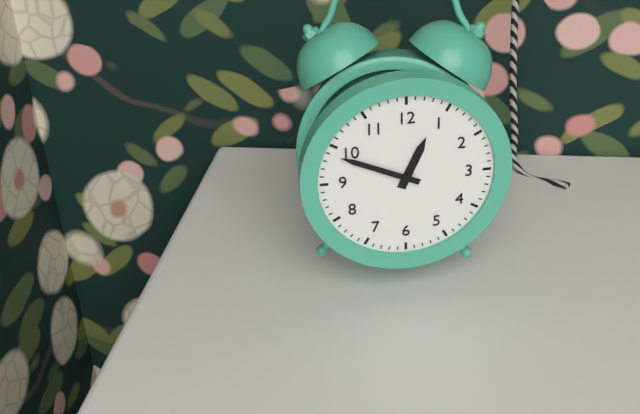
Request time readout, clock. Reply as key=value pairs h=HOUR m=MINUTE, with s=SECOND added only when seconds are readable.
h=12 m=49
